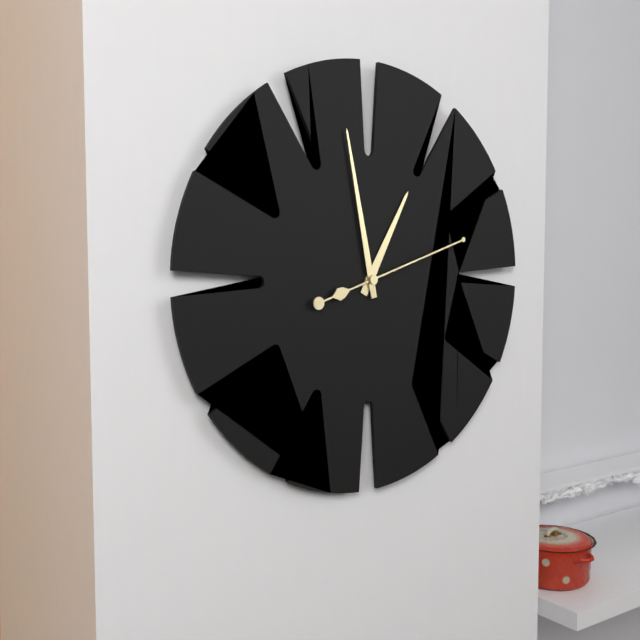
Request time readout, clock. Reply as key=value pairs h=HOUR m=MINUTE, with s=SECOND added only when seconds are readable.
h=12 m=58 s=12
